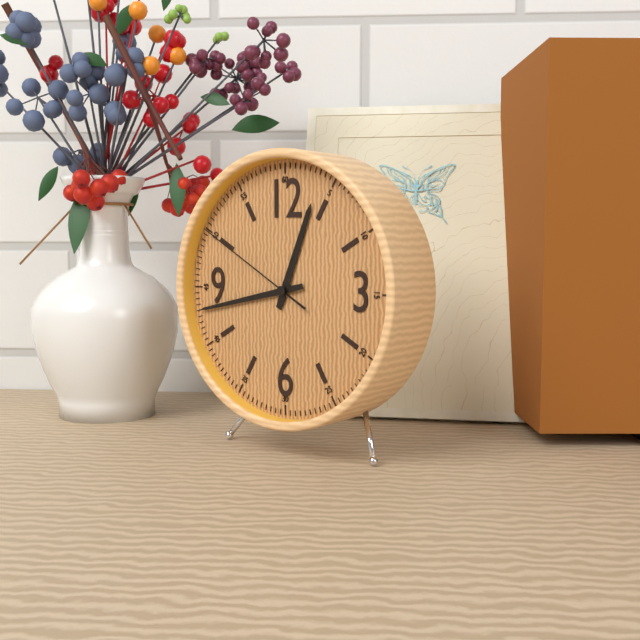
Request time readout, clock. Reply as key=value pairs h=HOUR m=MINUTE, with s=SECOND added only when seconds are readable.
h=12 m=43 s=50
